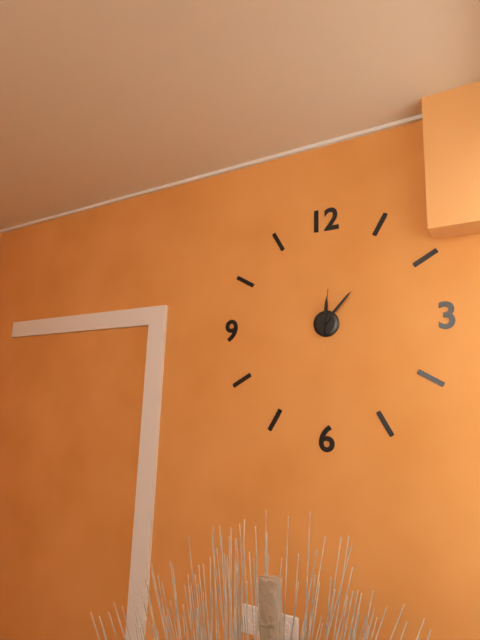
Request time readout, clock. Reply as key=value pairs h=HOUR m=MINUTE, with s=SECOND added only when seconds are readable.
h=12 m=7
